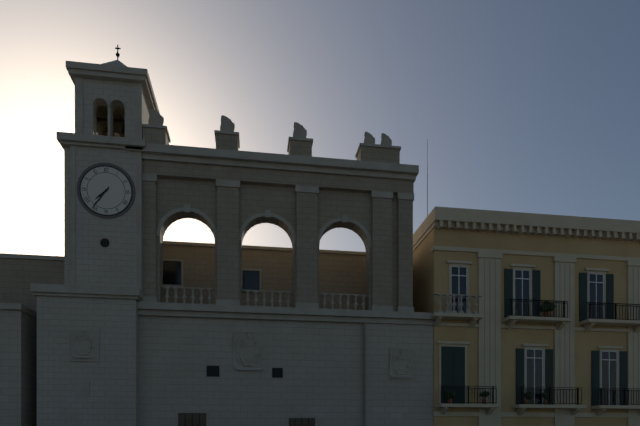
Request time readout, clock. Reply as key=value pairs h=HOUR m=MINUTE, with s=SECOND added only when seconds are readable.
h=7 m=36
